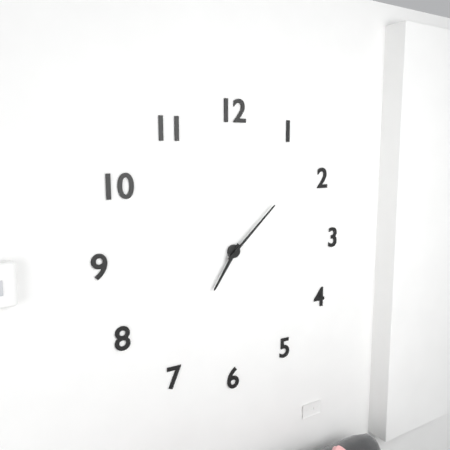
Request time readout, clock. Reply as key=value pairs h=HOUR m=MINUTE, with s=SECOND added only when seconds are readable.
h=7 m=8
